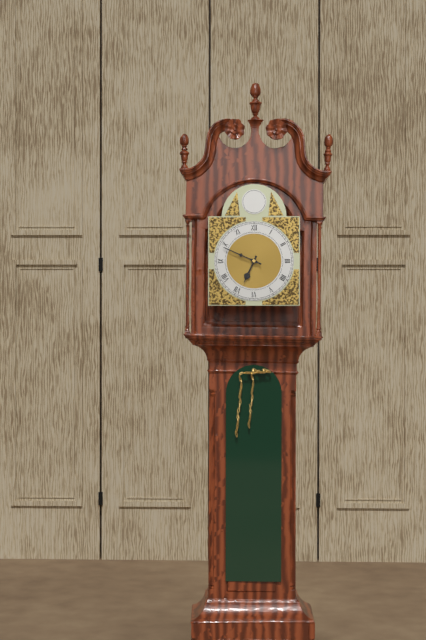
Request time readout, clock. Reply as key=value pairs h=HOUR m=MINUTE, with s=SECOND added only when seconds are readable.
h=6 m=49
